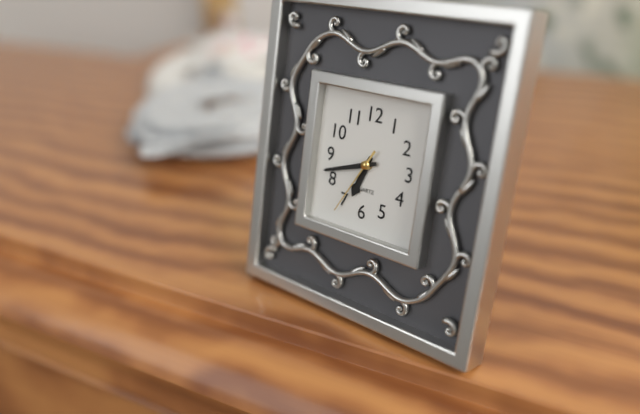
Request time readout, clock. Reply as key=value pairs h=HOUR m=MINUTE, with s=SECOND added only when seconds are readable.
h=6 m=42 s=35
